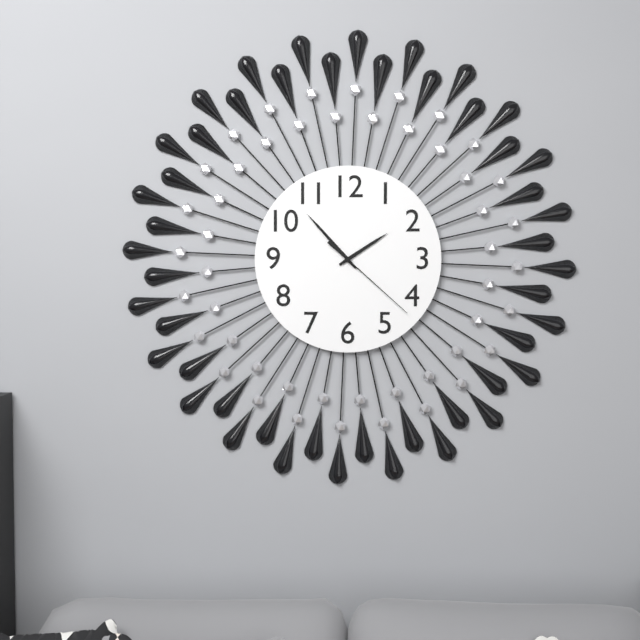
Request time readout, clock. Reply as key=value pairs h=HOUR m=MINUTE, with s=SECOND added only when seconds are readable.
h=1 m=53 s=22
